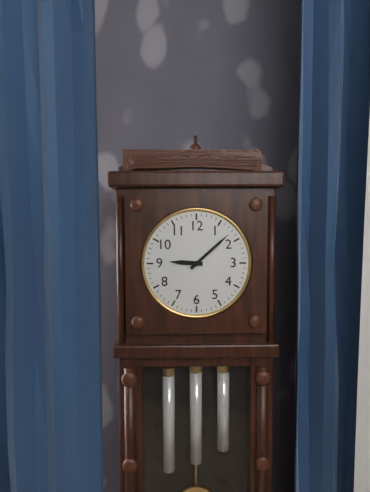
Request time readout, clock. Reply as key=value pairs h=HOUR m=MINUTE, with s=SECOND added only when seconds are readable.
h=9 m=8
